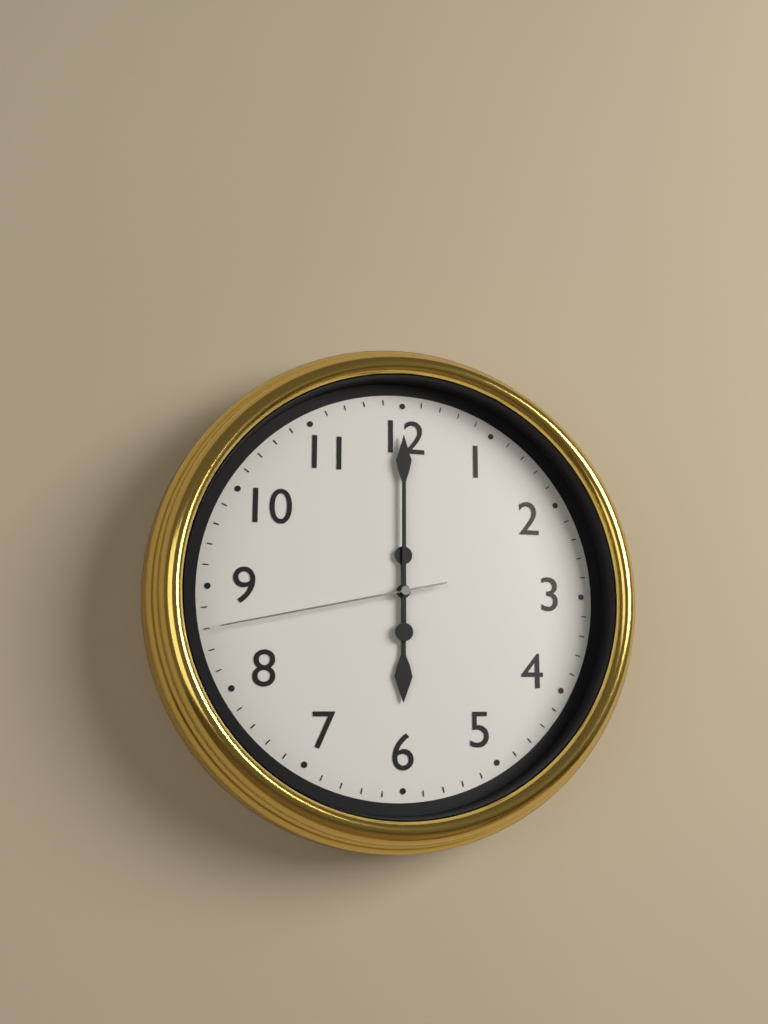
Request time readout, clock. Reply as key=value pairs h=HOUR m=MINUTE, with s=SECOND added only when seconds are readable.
h=6 m=0 s=43
